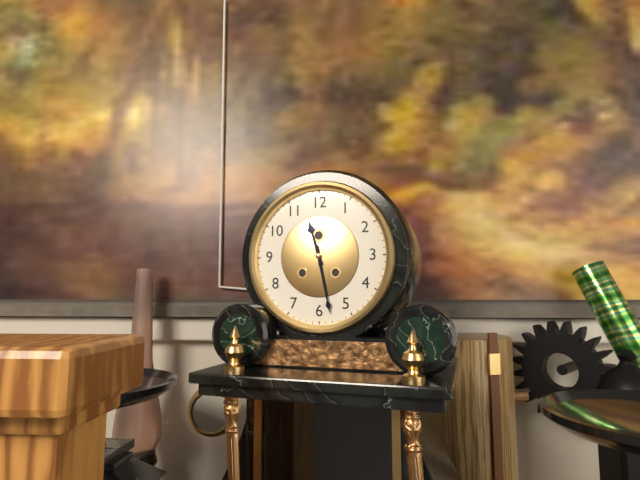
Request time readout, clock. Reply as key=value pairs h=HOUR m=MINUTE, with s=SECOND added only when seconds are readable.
h=11 m=28
